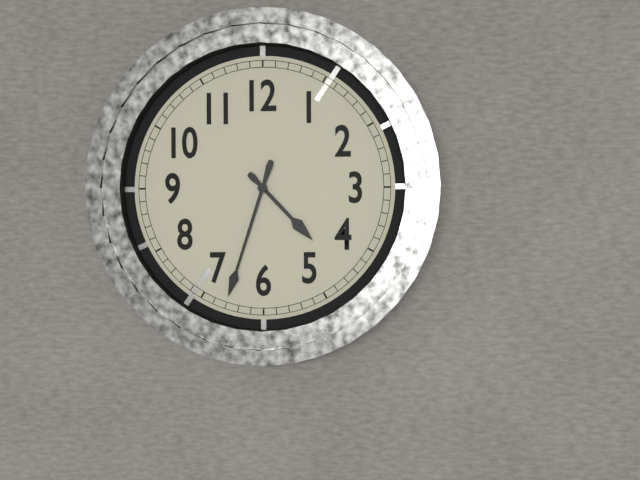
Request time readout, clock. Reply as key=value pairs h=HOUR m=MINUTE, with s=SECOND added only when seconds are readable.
h=4 m=33
